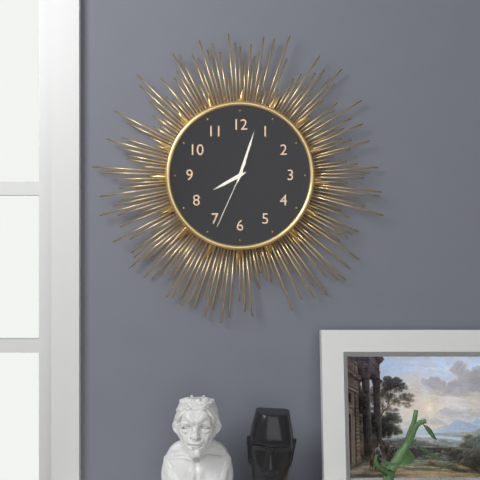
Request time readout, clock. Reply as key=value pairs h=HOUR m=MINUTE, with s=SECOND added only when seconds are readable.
h=8 m=3 s=34
